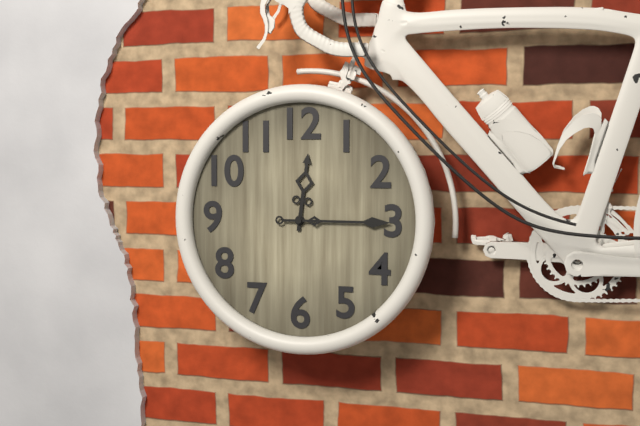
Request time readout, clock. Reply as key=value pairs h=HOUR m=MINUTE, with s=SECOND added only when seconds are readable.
h=12 m=15
